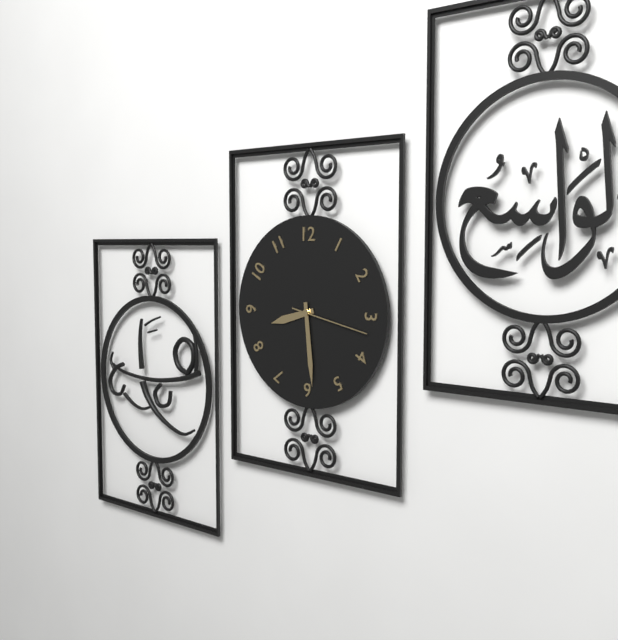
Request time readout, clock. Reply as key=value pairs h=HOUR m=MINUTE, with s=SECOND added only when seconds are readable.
h=8 m=29 s=17
